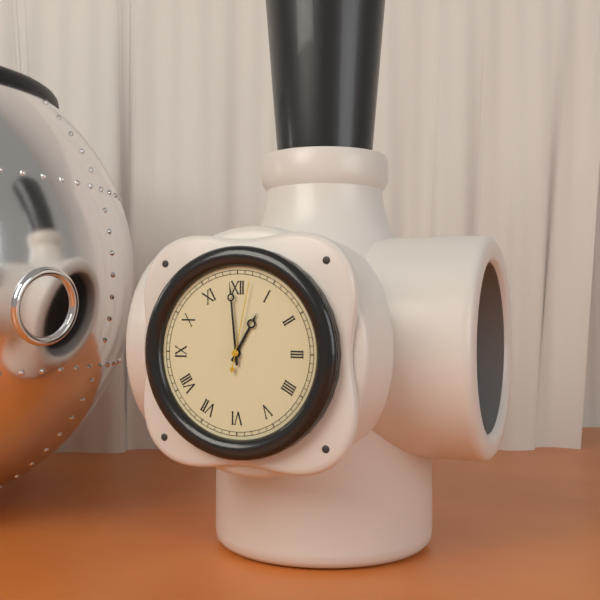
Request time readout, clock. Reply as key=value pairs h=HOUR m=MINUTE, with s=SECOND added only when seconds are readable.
h=12 m=59 s=2
